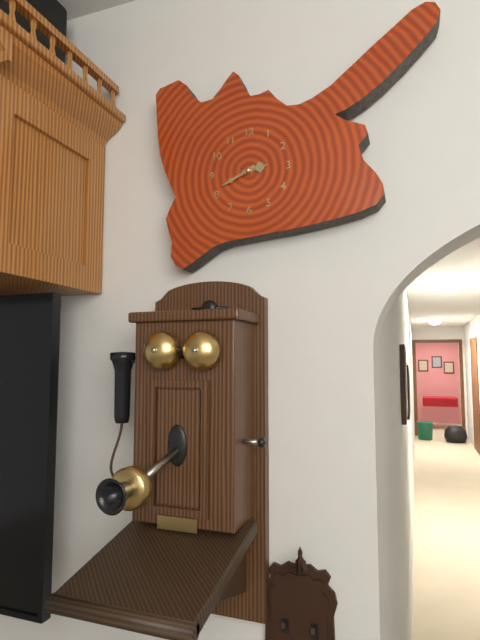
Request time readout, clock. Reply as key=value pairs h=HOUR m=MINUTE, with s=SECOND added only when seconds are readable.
h=2 m=41
